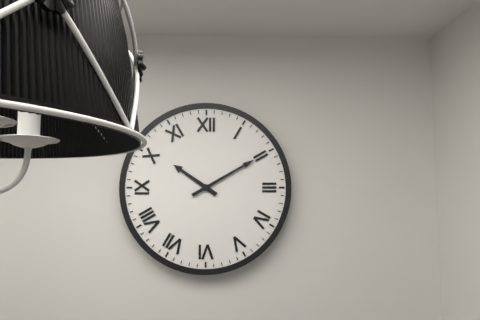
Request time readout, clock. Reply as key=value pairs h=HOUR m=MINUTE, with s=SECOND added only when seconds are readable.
h=10 m=10
